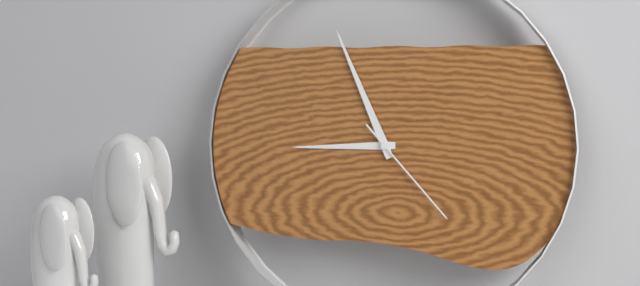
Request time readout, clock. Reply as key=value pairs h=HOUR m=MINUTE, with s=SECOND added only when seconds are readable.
h=8 m=56 s=23
